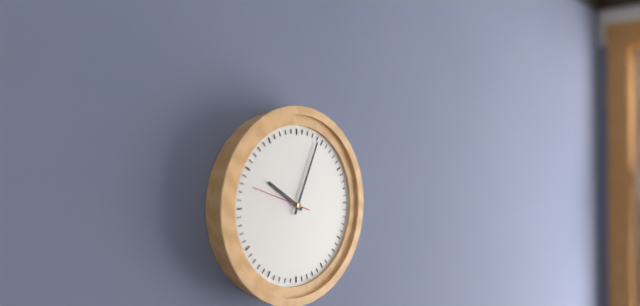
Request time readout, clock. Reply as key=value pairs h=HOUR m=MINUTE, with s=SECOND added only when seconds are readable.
h=10 m=4 s=48
